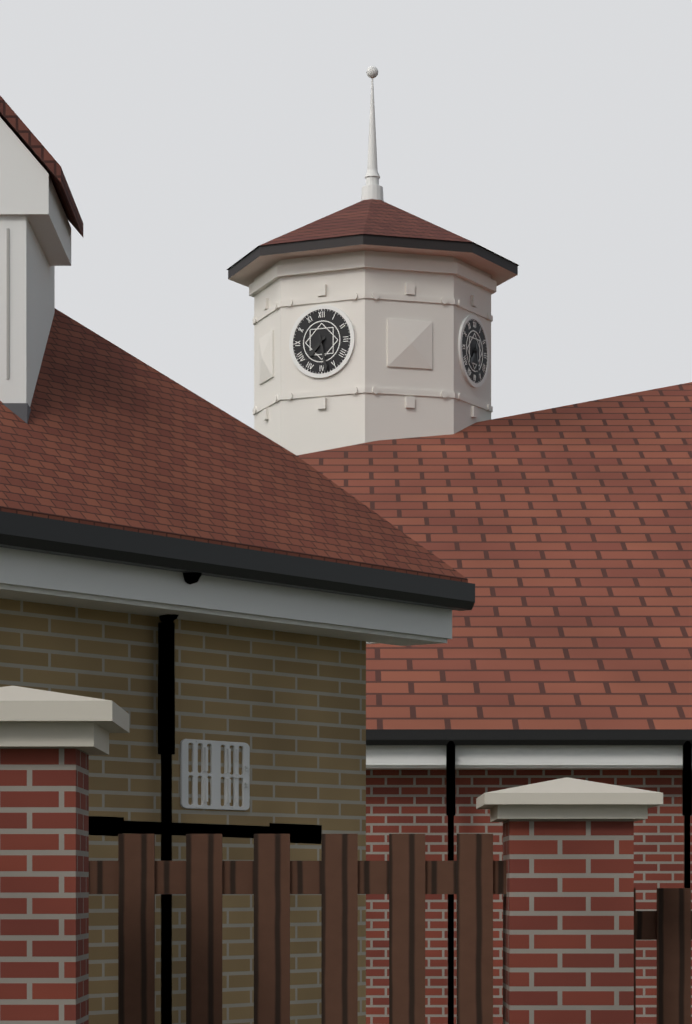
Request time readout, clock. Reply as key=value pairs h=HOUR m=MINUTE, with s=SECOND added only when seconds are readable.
h=7 m=28
